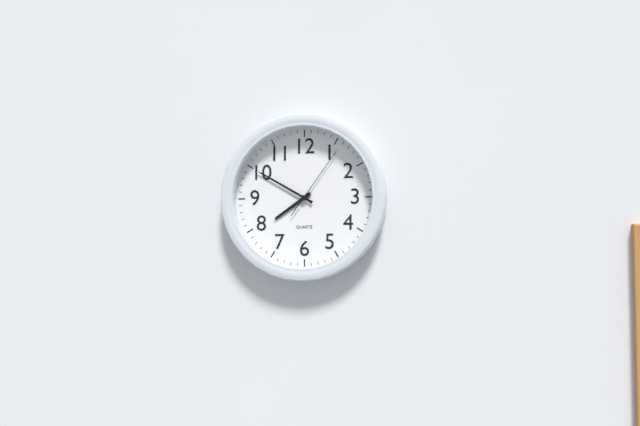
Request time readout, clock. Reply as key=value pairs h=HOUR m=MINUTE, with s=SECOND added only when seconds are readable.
h=7 m=50 s=6
